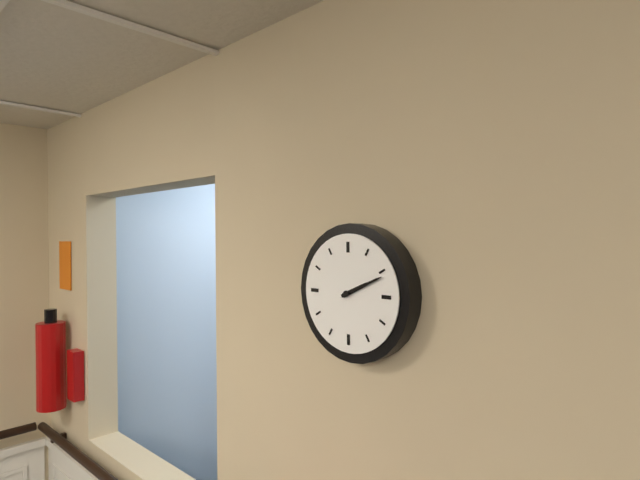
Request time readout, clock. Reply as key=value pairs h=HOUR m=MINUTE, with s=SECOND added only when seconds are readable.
h=2 m=11
